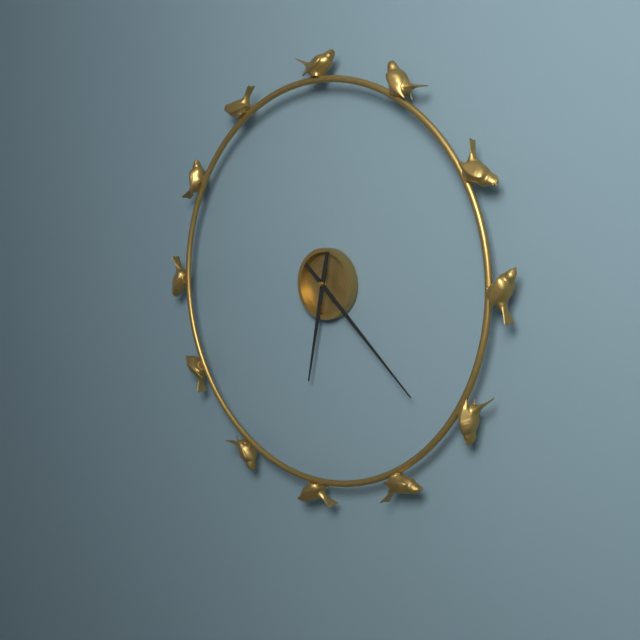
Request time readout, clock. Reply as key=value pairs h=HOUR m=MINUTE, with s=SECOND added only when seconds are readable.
h=6 m=22
